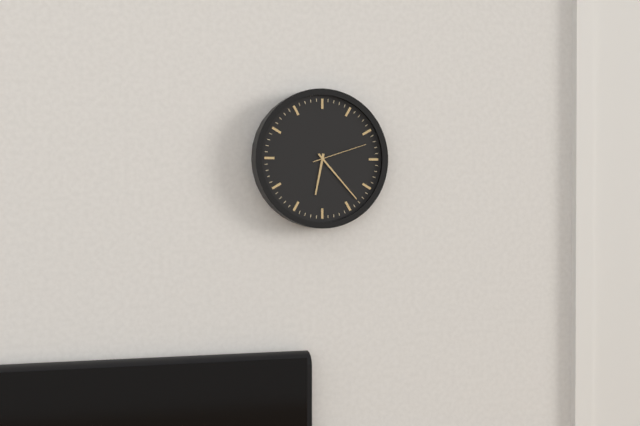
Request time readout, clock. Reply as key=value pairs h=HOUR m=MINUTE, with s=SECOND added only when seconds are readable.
h=6 m=23 s=12
